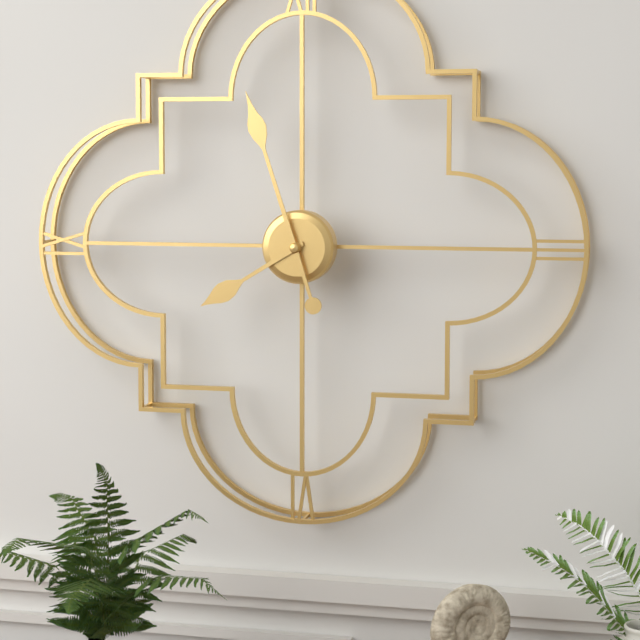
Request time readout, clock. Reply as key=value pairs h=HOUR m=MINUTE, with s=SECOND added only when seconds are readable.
h=7 m=57
